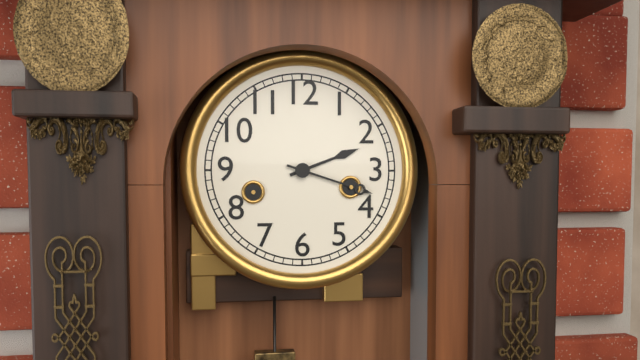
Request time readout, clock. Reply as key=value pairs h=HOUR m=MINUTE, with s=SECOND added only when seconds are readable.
h=2 m=18
